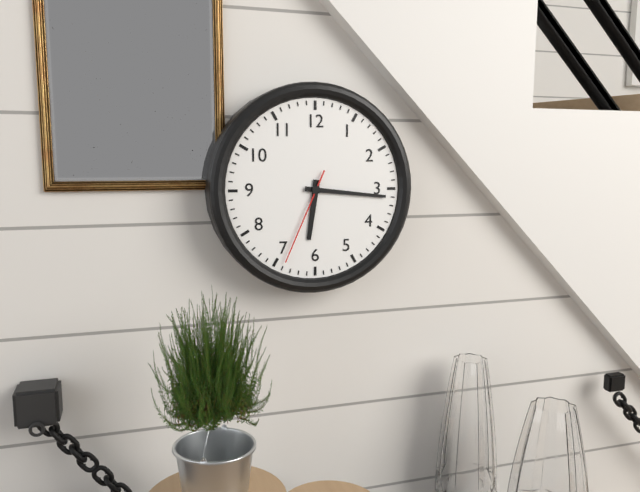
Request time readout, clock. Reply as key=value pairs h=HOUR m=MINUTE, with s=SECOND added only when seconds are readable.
h=6 m=16 s=34
